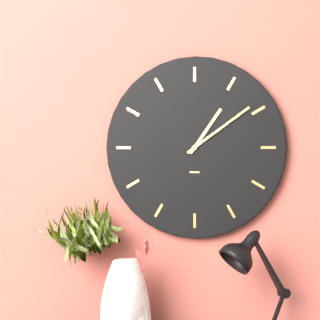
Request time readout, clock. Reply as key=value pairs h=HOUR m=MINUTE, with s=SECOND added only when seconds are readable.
h=1 m=9
